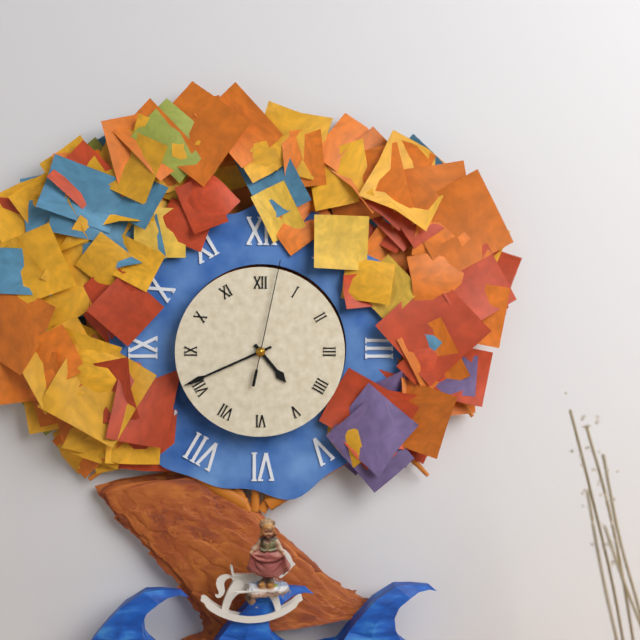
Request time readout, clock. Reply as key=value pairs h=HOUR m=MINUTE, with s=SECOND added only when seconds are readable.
h=4 m=41 s=2
